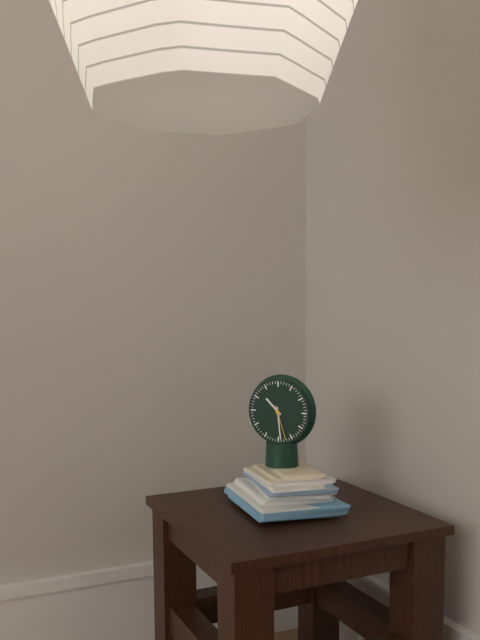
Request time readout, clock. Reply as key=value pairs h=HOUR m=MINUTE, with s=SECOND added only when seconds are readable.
h=10 m=29
